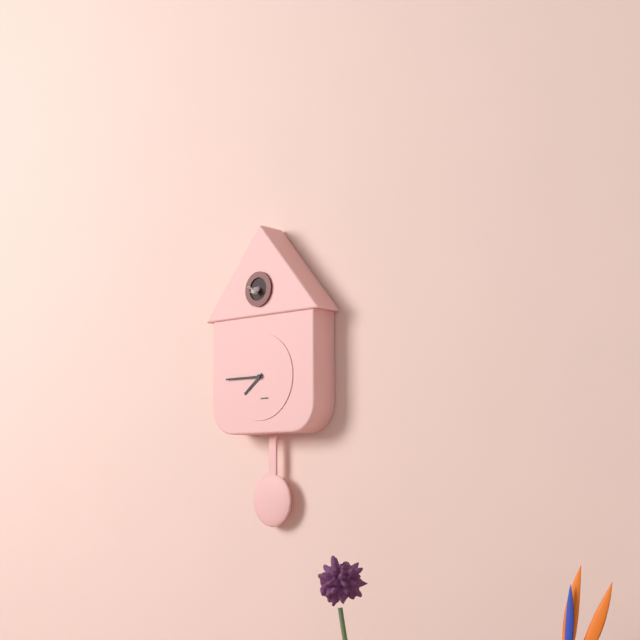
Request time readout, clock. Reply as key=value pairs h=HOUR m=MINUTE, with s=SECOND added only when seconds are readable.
h=7 m=45
